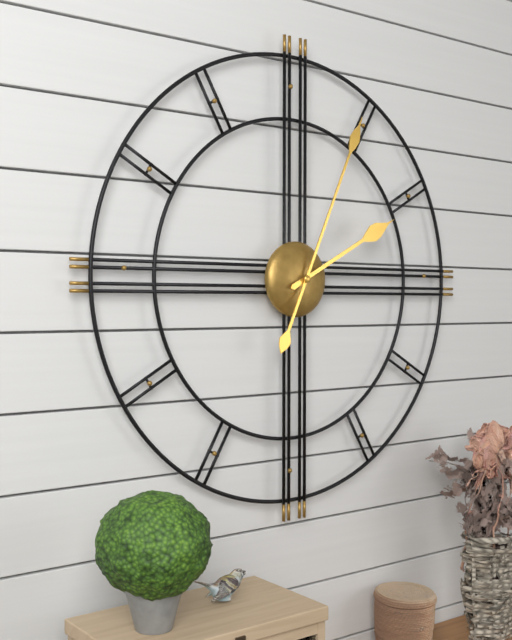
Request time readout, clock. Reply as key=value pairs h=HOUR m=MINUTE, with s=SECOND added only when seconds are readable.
h=2 m=4
